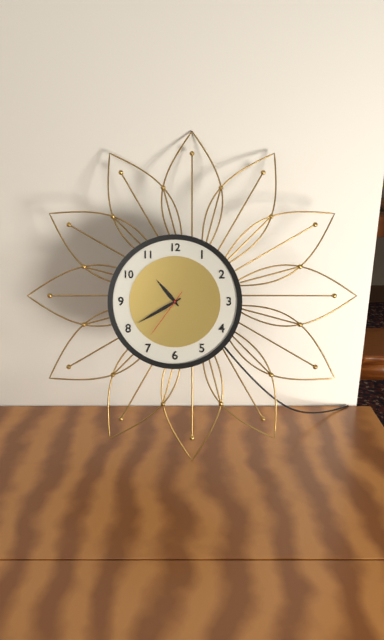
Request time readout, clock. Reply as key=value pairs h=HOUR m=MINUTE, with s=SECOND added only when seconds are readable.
h=10 m=40 s=36
